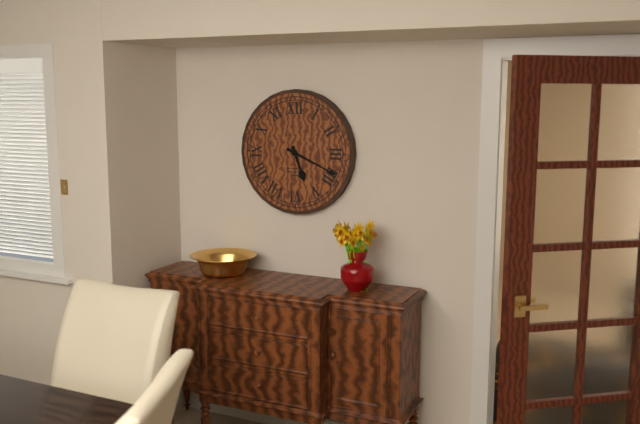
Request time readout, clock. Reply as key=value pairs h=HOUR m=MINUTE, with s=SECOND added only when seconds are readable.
h=5 m=19
